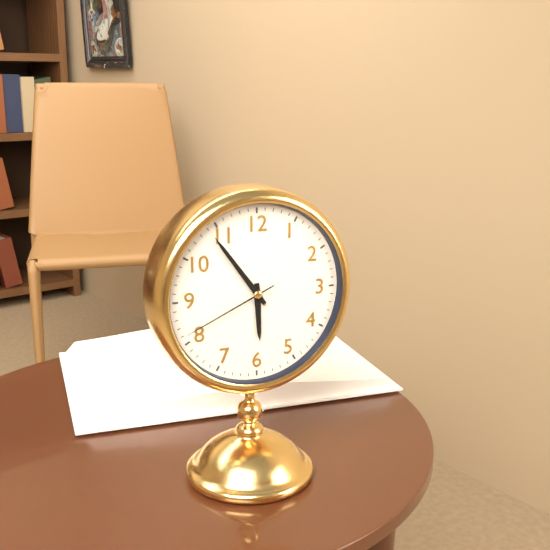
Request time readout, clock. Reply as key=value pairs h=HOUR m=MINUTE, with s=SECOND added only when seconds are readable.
h=5 m=54 s=41
